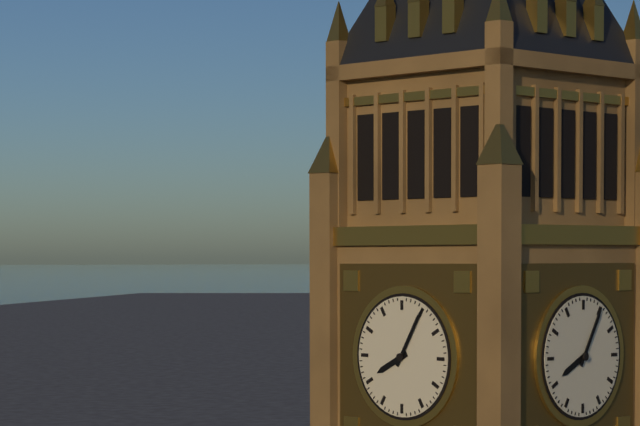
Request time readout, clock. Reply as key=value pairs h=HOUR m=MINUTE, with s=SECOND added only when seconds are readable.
h=8 m=5
